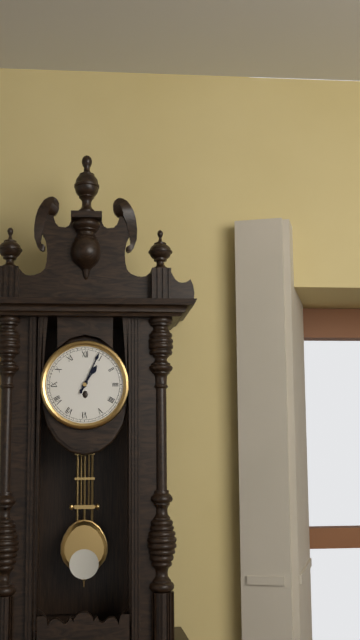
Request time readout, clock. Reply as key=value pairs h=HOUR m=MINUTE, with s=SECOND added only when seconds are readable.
h=1 m=4
